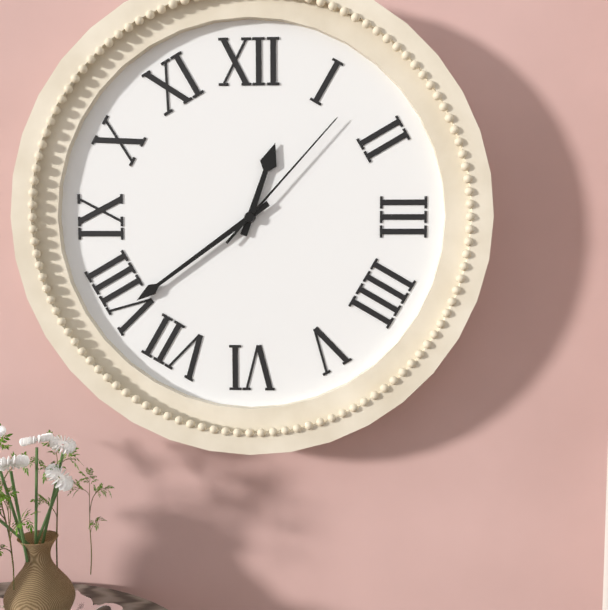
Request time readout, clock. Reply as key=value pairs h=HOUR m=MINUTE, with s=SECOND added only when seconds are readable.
h=12 m=39 s=7
